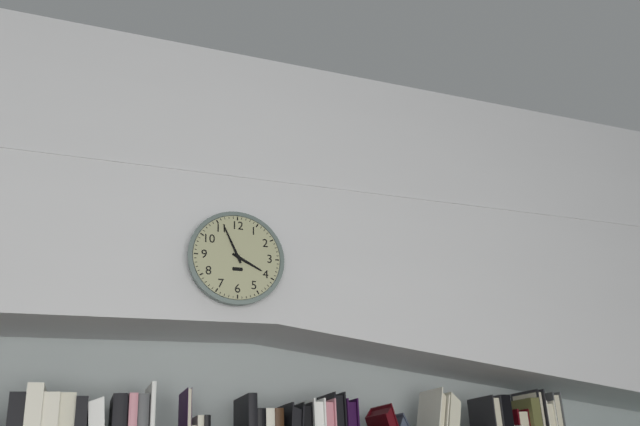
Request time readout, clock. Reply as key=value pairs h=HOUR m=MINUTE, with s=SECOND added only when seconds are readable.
h=3 m=56
